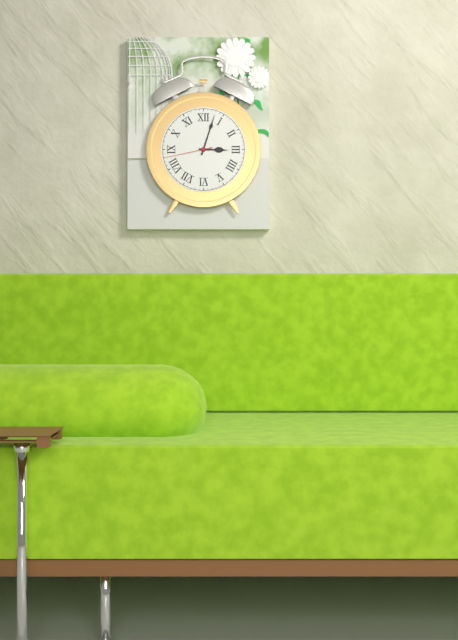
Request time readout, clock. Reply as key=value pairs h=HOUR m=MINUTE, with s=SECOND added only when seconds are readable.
h=3 m=3
